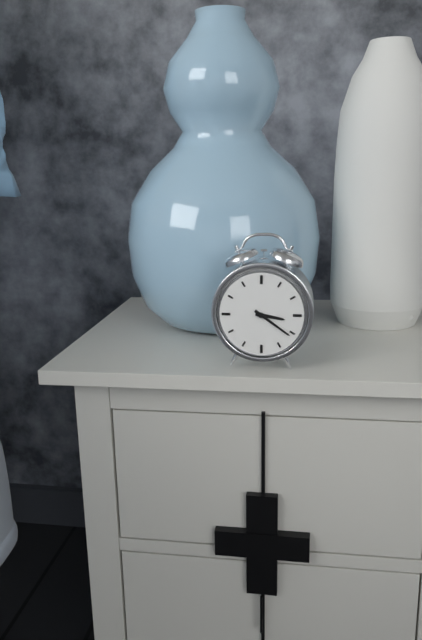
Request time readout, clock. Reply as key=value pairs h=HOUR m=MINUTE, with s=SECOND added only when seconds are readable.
h=3 m=21
